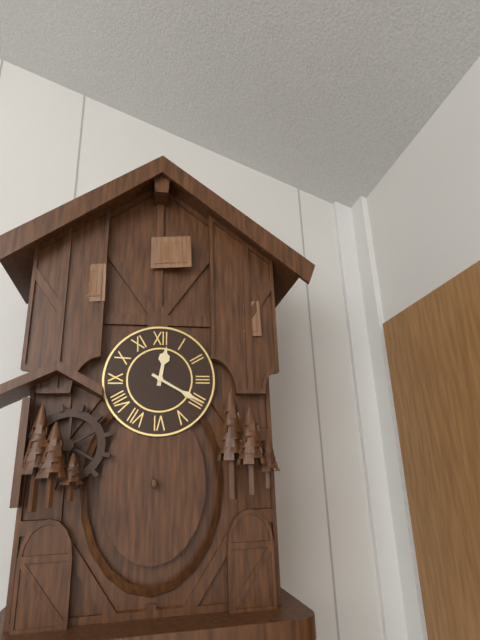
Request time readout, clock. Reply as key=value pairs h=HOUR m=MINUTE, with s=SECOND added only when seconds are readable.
h=12 m=20
